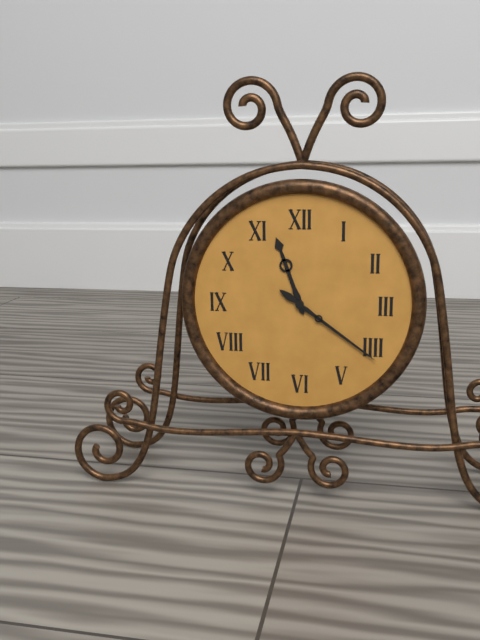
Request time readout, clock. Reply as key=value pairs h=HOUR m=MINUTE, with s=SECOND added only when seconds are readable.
h=11 m=21
